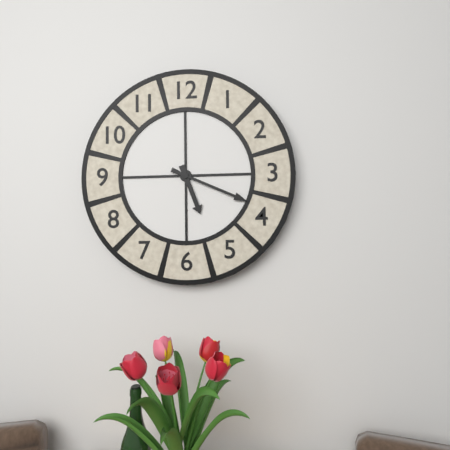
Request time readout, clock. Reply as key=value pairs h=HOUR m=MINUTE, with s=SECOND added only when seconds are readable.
h=5 m=19
